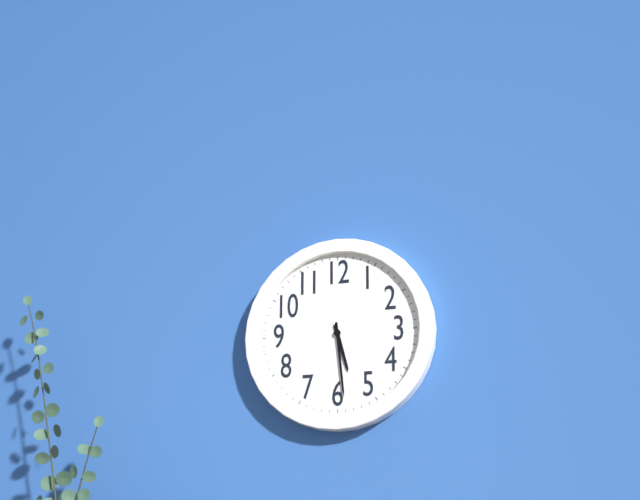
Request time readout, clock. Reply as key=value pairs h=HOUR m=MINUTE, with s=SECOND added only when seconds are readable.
h=5 m=29
